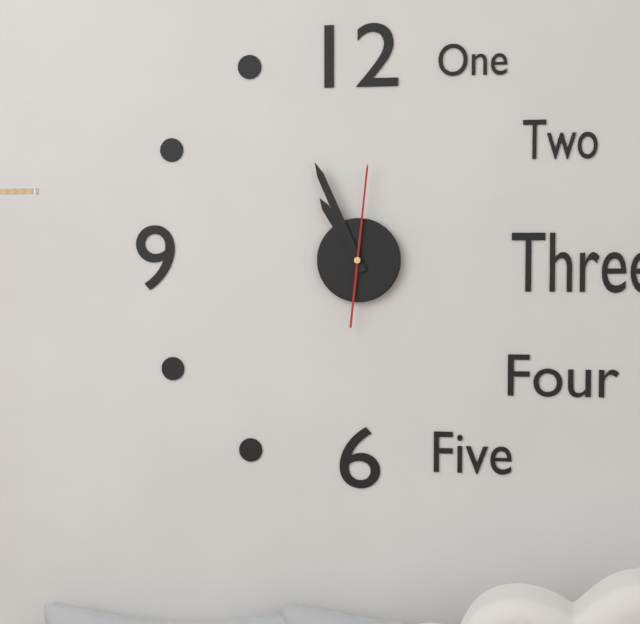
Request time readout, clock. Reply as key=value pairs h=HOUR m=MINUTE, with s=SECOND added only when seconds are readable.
h=10 m=56 s=1
